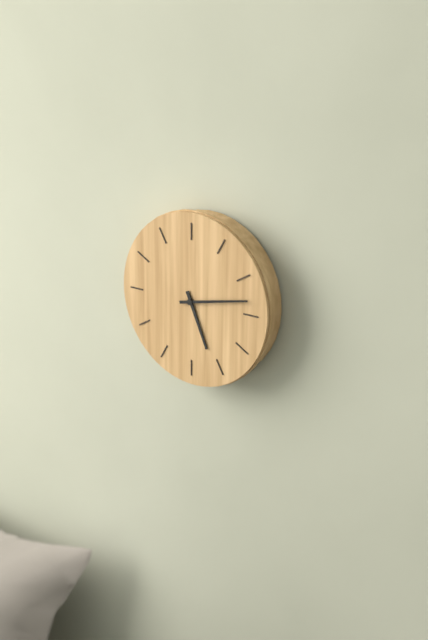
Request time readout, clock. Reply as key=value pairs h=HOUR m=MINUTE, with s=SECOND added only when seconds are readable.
h=5 m=13
